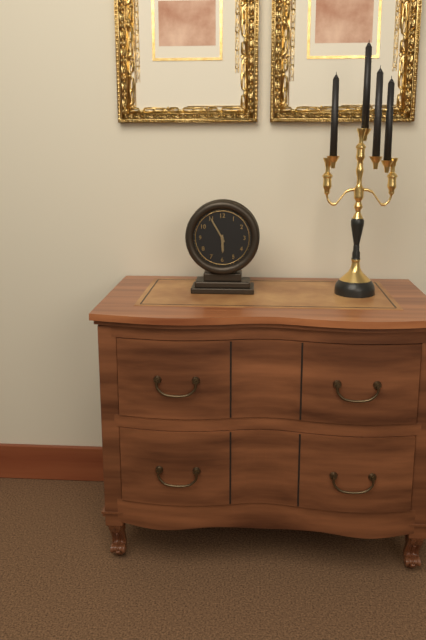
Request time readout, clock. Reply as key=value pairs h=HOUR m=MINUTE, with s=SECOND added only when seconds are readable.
h=5 m=55
